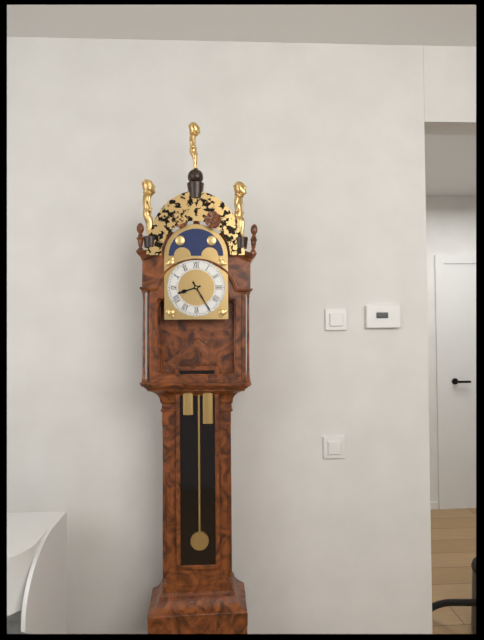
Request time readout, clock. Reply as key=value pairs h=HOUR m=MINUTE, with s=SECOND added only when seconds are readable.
h=8 m=25
